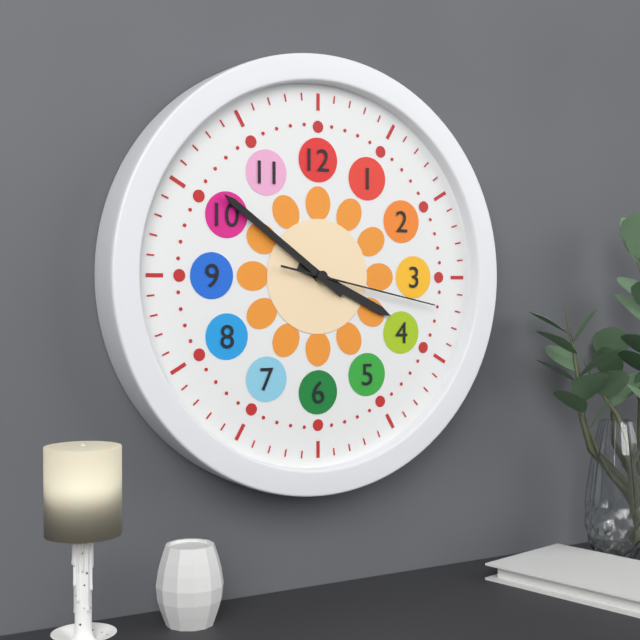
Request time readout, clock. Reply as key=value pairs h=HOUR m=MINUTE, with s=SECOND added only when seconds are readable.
h=3 m=51 s=17
